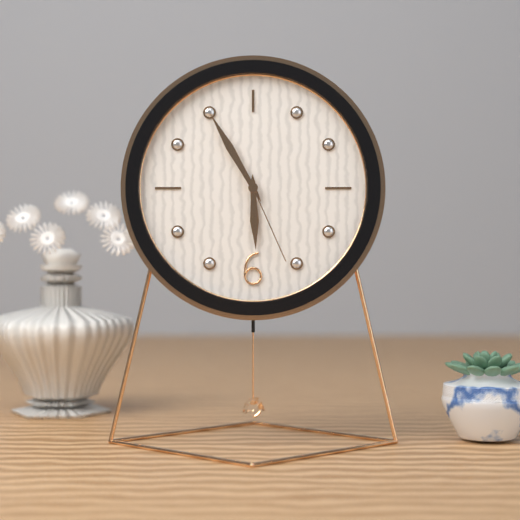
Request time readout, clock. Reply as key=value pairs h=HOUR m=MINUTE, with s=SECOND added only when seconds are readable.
h=5 m=55 s=26
